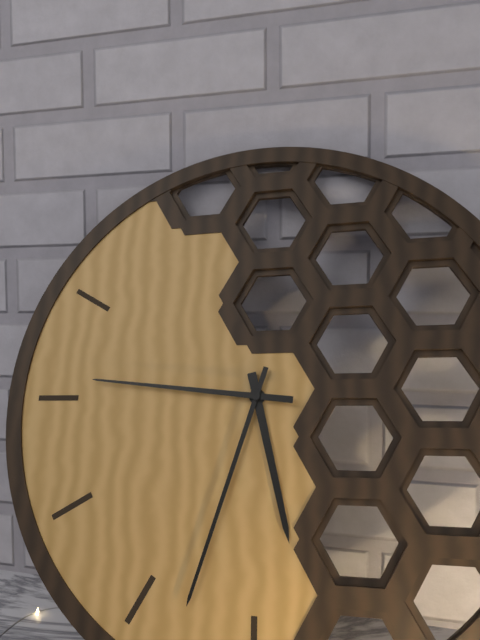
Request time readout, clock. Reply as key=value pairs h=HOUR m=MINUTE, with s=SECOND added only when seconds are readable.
h=5 m=33 s=46
